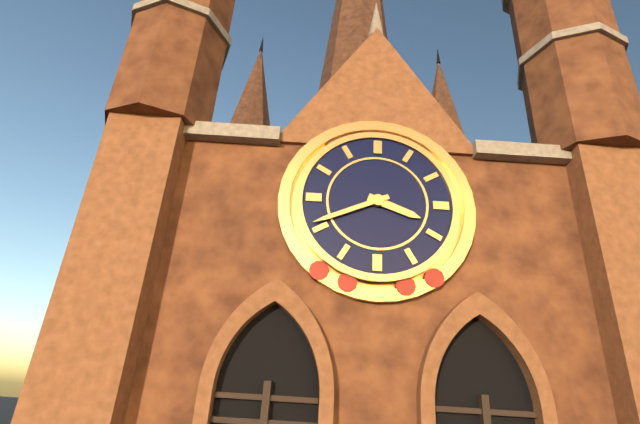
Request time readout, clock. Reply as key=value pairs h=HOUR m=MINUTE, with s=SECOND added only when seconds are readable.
h=3 m=41
